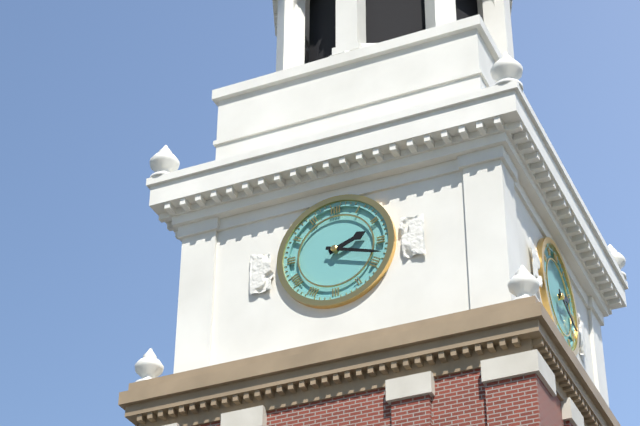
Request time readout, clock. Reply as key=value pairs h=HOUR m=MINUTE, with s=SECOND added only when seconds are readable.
h=2 m=18
